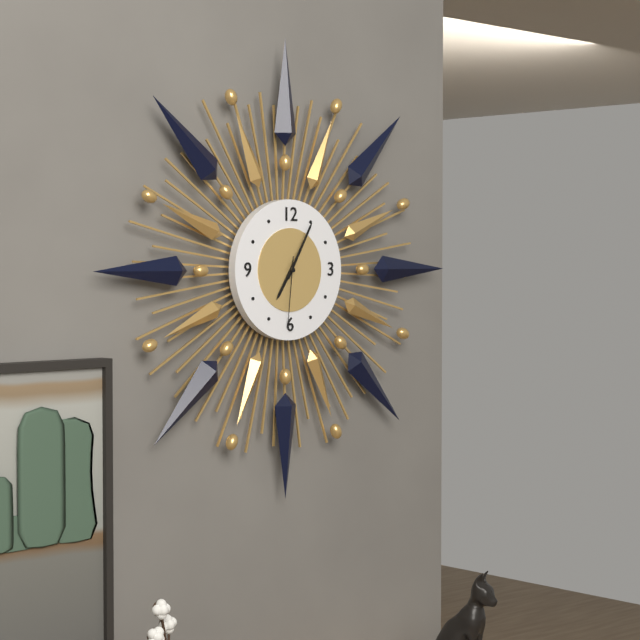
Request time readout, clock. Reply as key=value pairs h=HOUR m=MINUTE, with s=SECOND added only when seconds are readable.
h=7 m=5 s=31
